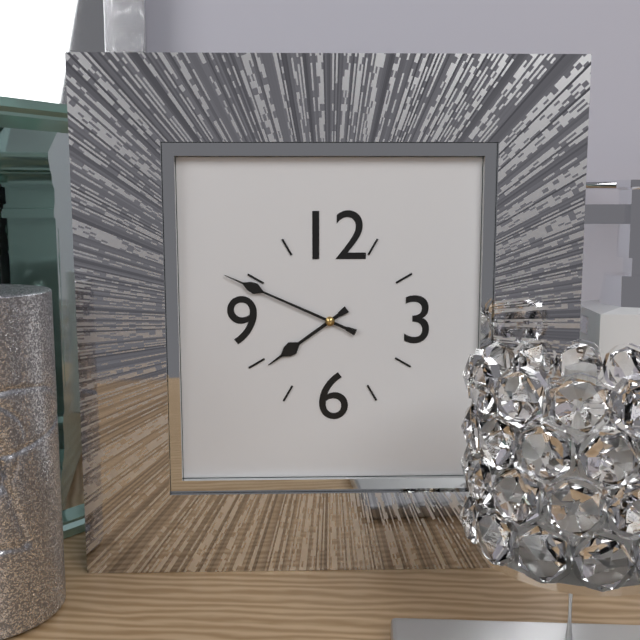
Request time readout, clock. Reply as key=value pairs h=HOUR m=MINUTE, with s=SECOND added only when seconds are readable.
h=7 m=49
